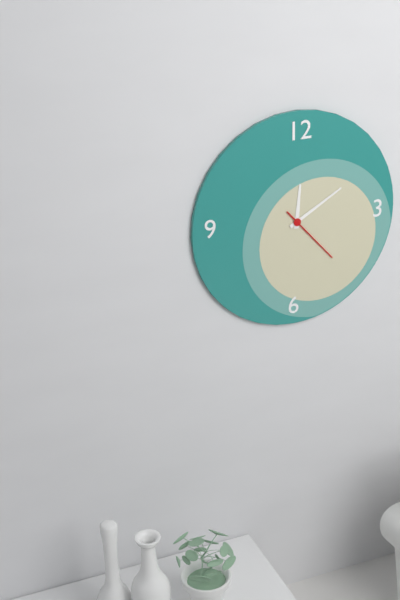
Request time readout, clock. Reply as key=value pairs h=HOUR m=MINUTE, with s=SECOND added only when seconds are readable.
h=12 m=10 s=23
